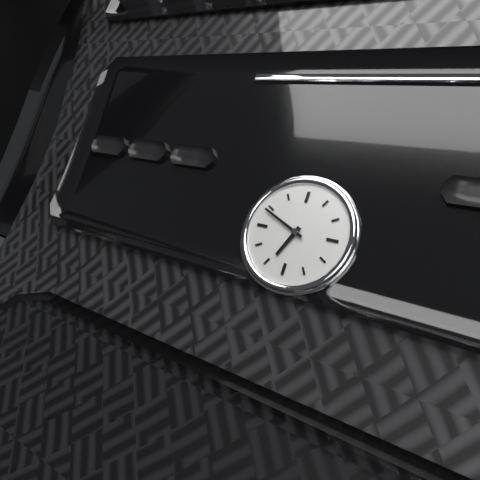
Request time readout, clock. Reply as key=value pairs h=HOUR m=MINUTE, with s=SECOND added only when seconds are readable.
h=6 m=49
